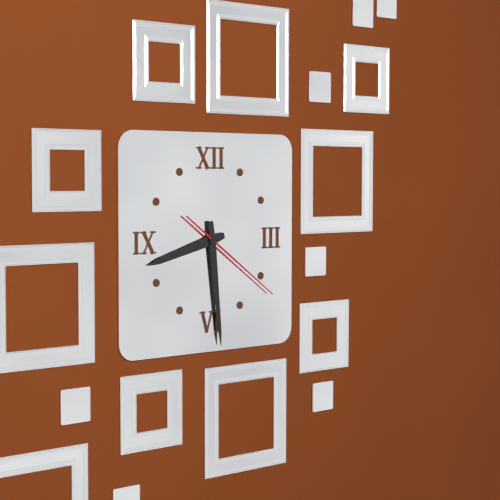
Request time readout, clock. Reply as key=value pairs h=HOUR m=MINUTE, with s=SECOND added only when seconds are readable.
h=8 m=29 s=21
